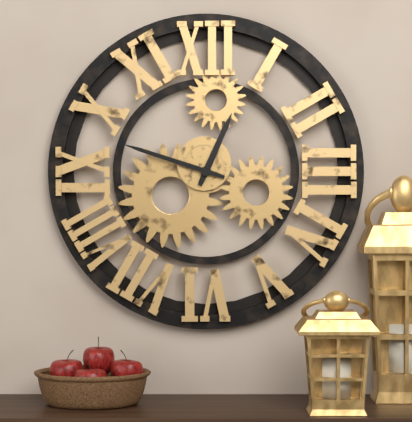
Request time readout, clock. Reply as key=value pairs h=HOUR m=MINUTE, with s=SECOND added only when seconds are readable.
h=12 m=48
